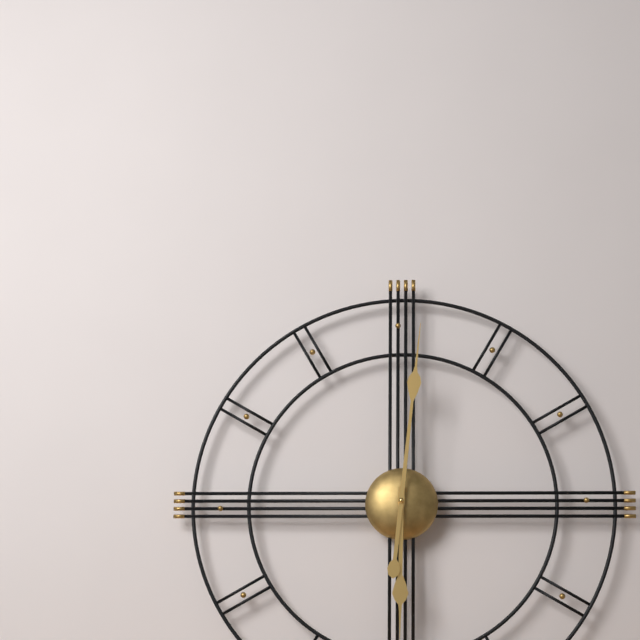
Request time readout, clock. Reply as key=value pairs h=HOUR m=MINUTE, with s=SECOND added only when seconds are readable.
h=6 m=1
